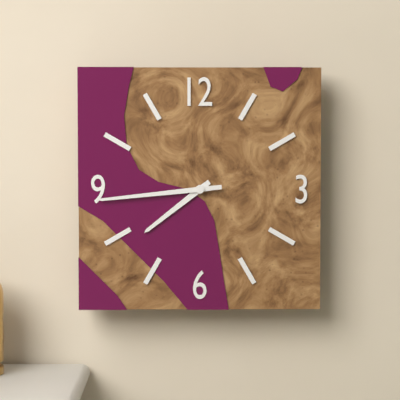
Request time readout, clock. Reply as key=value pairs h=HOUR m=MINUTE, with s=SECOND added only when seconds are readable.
h=7 m=44
